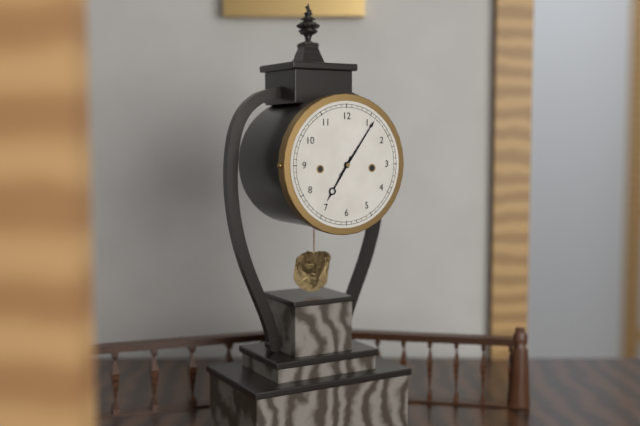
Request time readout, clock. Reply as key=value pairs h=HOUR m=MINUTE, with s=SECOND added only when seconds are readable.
h=7 m=6
